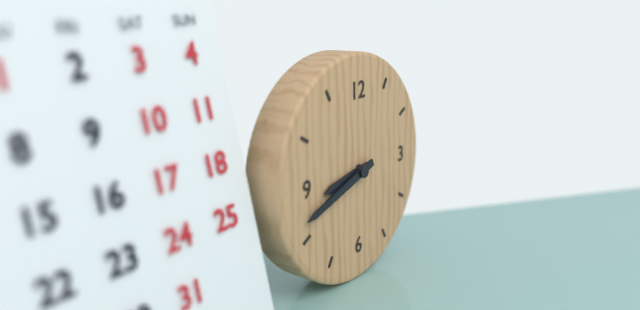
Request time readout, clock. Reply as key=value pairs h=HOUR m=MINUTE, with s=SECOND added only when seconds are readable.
h=8 m=42
